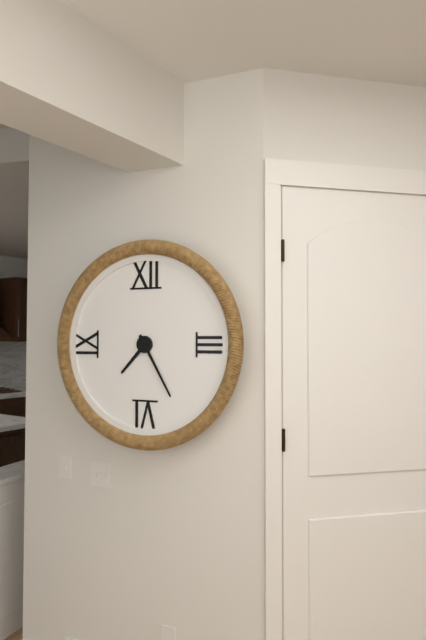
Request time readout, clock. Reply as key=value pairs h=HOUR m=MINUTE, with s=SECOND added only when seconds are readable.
h=7 m=25
